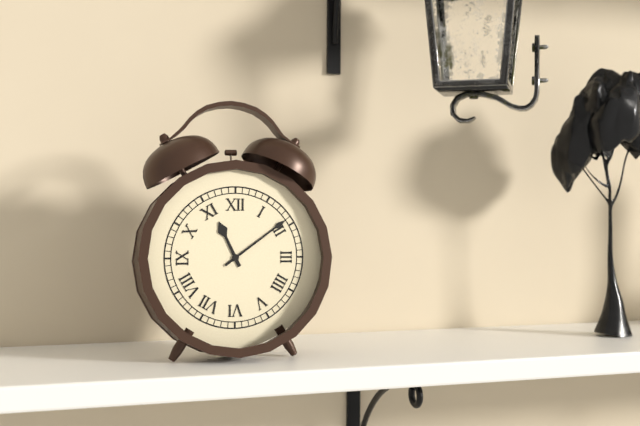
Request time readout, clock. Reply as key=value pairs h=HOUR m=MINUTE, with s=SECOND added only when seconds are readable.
h=11 m=9
